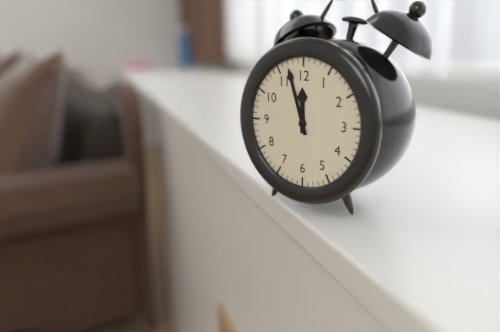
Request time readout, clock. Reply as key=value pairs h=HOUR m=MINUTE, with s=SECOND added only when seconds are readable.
h=11 m=57
